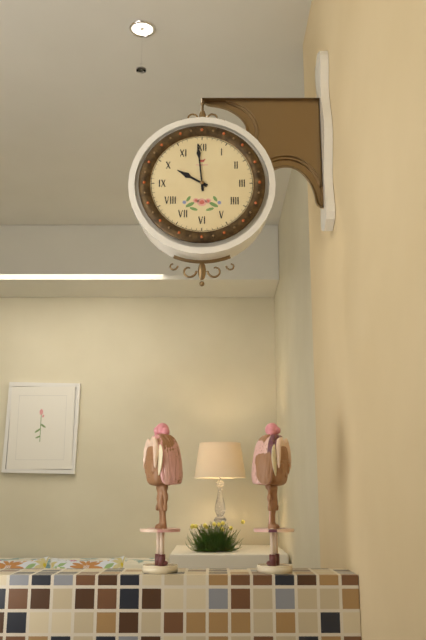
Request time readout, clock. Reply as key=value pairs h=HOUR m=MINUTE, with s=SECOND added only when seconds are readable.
h=9 m=59
